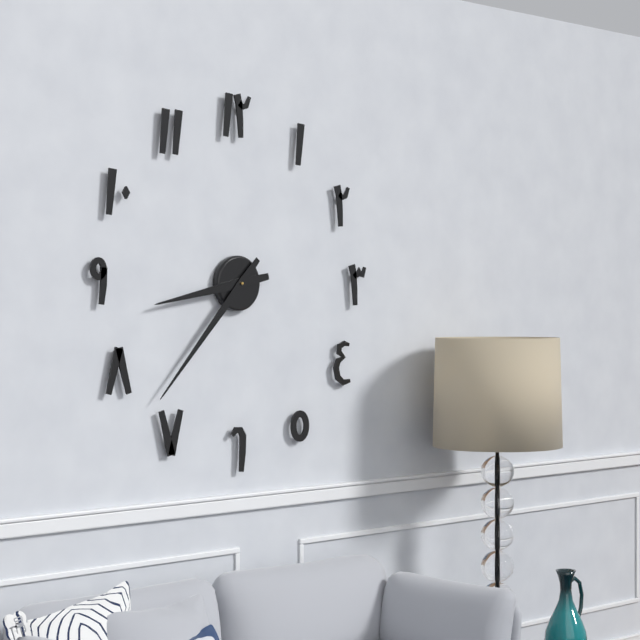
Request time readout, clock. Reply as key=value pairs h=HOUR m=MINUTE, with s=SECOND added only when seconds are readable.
h=8 m=37
